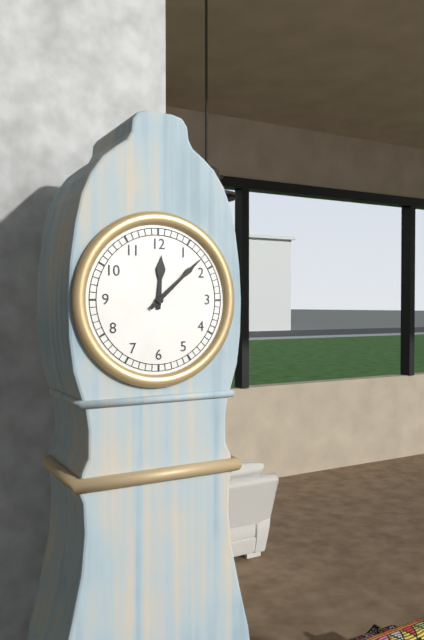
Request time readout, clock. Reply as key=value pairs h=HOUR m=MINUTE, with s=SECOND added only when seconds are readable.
h=12 m=8
